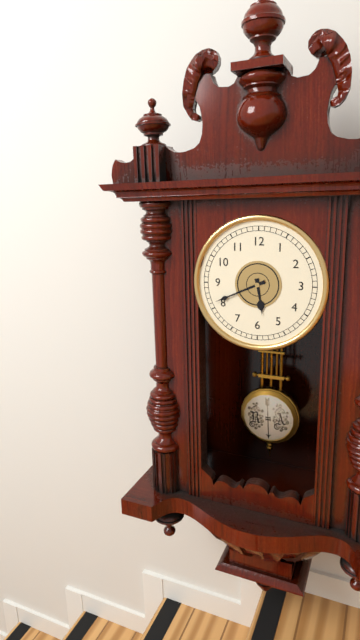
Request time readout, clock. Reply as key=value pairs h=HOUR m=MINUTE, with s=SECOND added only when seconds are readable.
h=5 m=41
